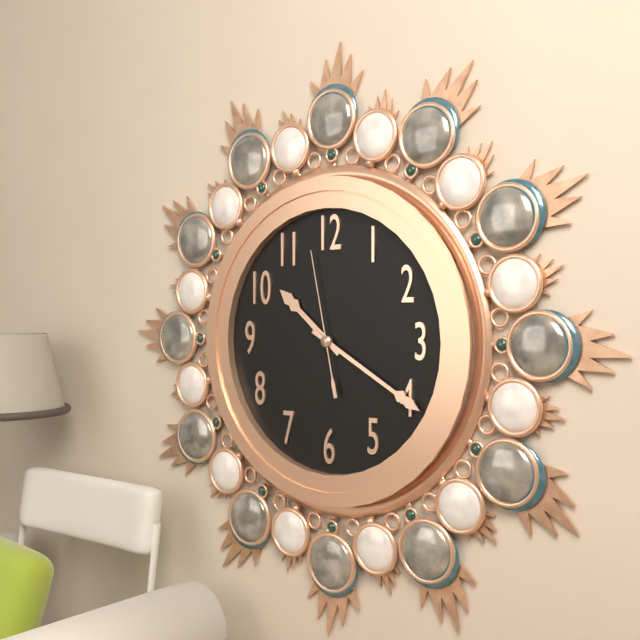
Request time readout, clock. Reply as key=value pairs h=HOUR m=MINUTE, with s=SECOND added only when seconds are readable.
h=10 m=20 s=58
